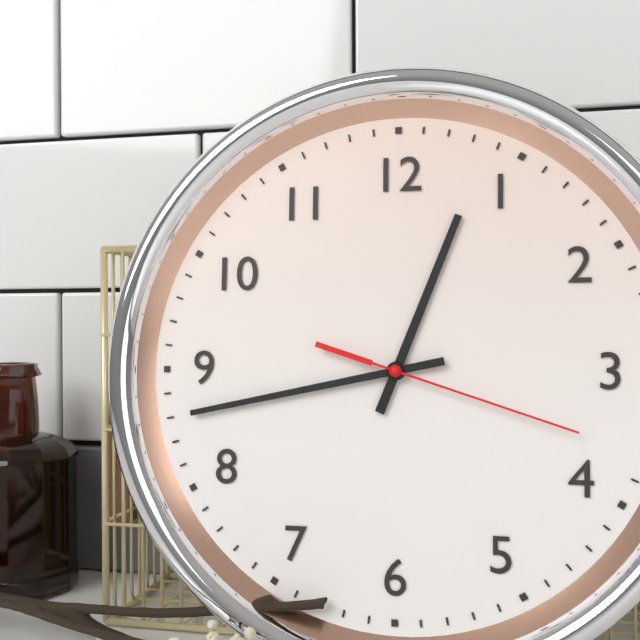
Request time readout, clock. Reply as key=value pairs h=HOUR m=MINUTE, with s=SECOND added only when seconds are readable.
h=12 m=43 s=18
